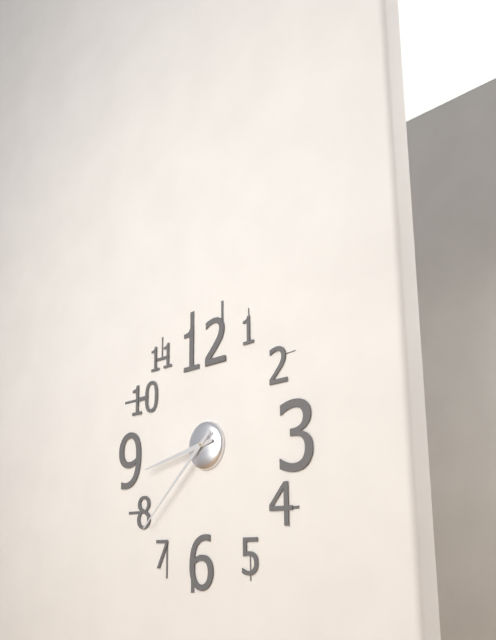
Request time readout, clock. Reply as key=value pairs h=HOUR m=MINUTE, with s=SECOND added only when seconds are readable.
h=8 m=38
